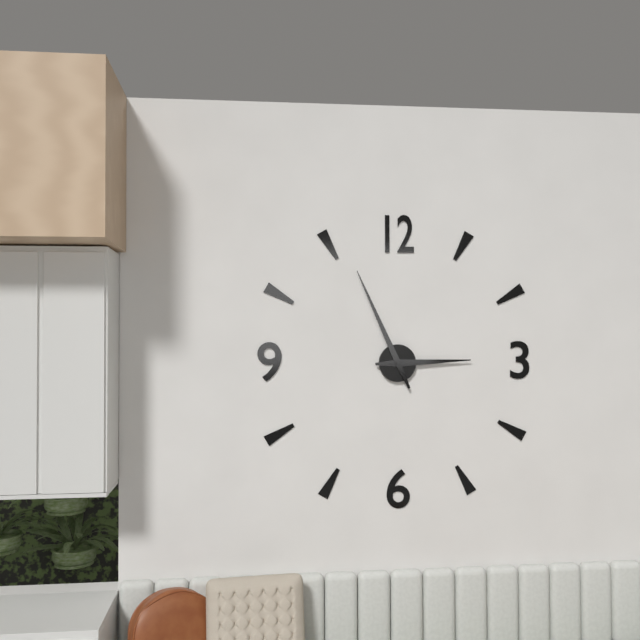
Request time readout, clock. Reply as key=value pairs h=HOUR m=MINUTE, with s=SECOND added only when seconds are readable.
h=2 m=56
